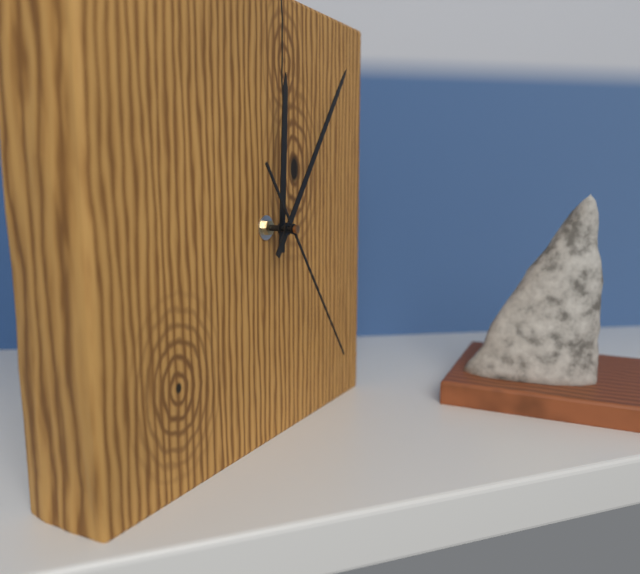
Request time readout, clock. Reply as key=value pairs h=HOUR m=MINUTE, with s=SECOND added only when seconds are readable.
h=12 m=6 s=24
